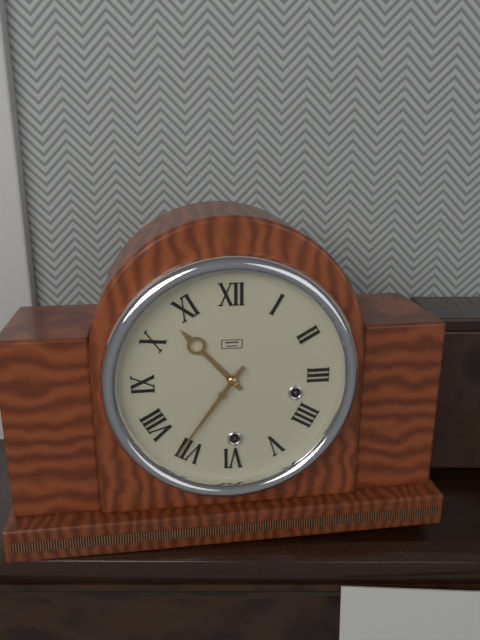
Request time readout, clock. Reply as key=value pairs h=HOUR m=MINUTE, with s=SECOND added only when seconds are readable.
h=10 m=36
